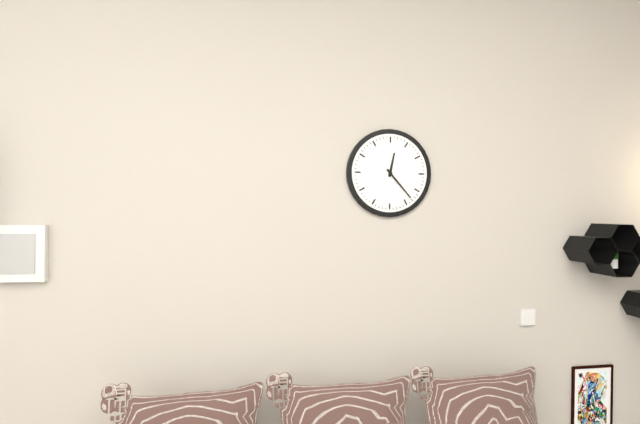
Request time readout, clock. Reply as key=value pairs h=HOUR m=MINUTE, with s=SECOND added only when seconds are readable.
h=12 m=23
